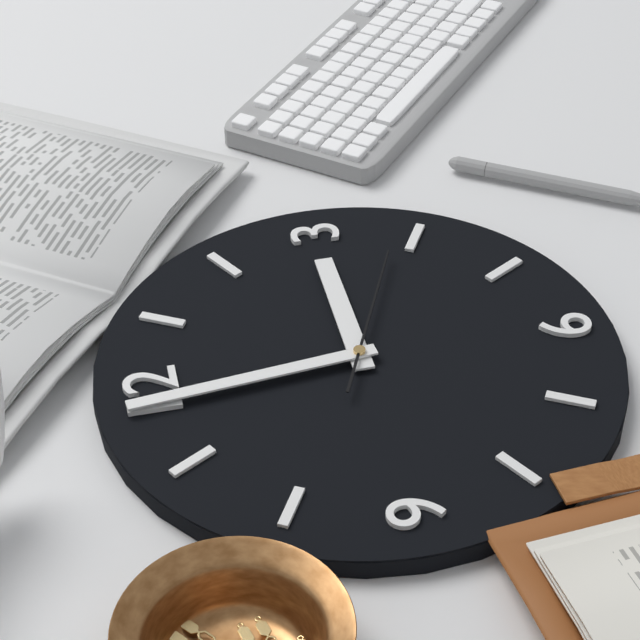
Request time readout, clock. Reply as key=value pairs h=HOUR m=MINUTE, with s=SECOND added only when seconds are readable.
h=2 m=59 s=19
